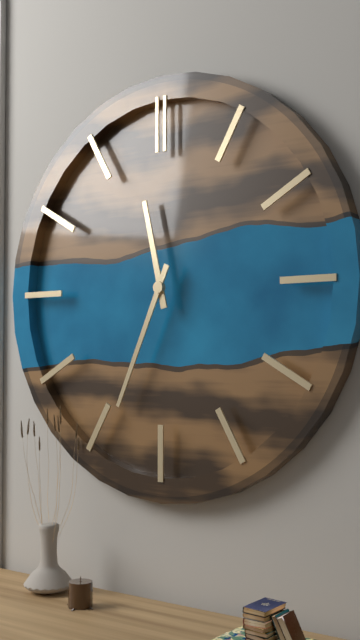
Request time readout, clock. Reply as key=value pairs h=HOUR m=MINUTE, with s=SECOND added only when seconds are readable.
h=11 m=34
